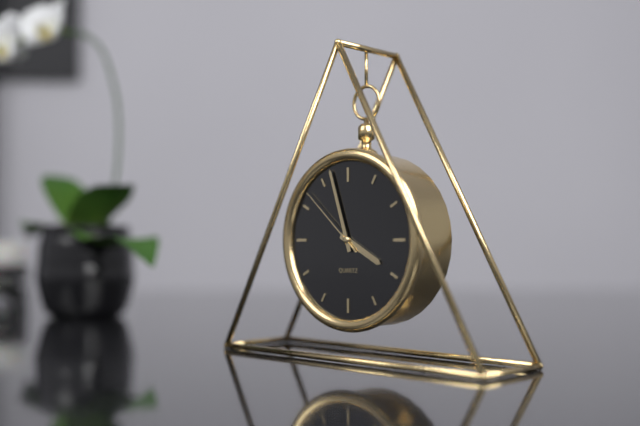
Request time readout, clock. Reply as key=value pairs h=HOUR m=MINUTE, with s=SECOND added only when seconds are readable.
h=3 m=57 s=52
